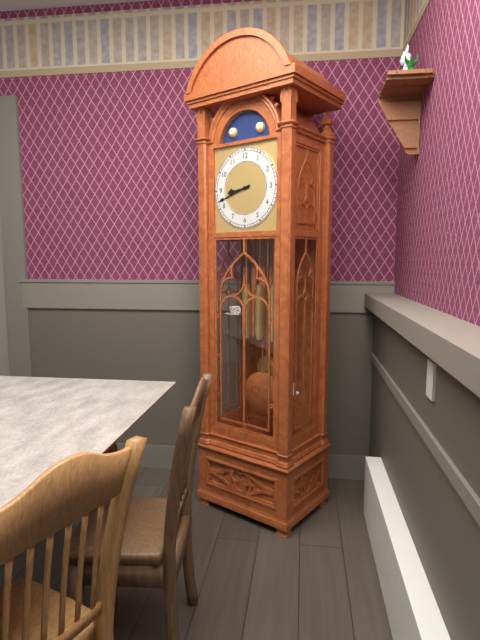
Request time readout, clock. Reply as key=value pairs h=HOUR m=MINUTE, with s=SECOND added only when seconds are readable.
h=8 m=42
